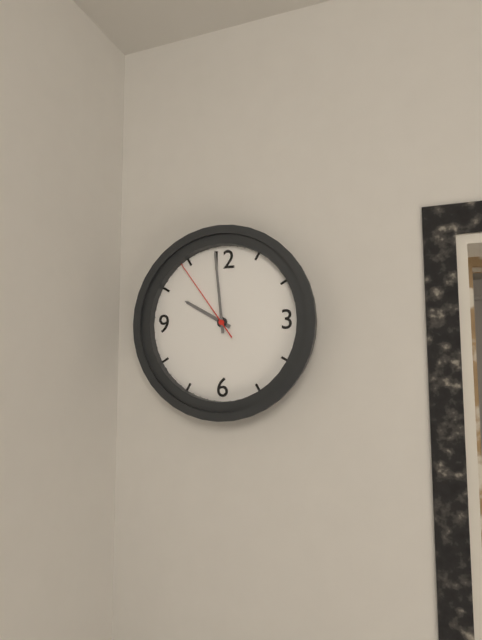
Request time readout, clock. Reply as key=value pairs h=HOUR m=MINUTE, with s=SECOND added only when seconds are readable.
h=9 m=59 s=54
